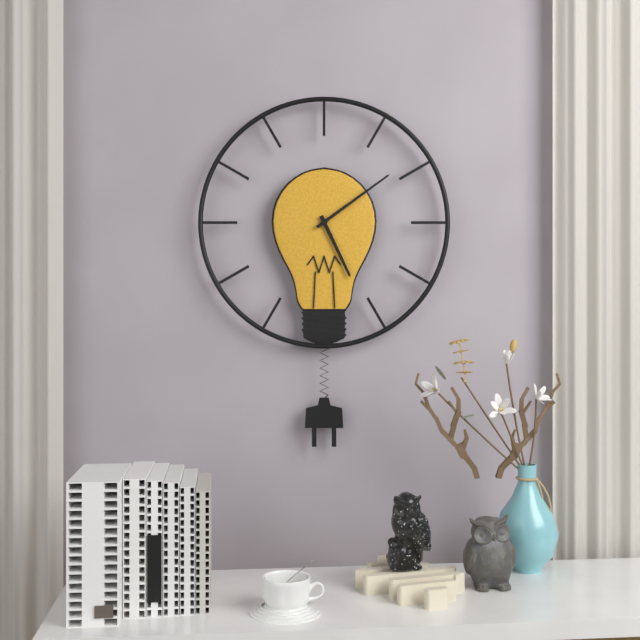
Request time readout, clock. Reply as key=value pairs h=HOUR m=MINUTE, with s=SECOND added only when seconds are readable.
h=5 m=9
